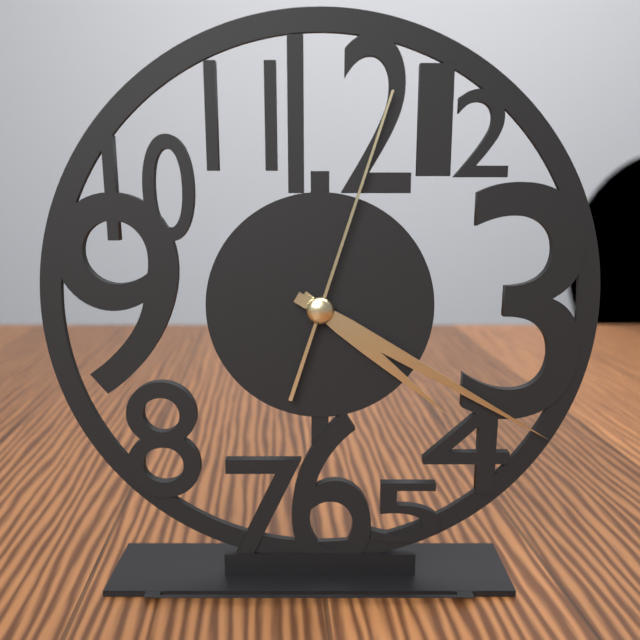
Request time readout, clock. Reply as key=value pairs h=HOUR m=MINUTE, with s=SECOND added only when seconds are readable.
h=4 m=20 s=3
